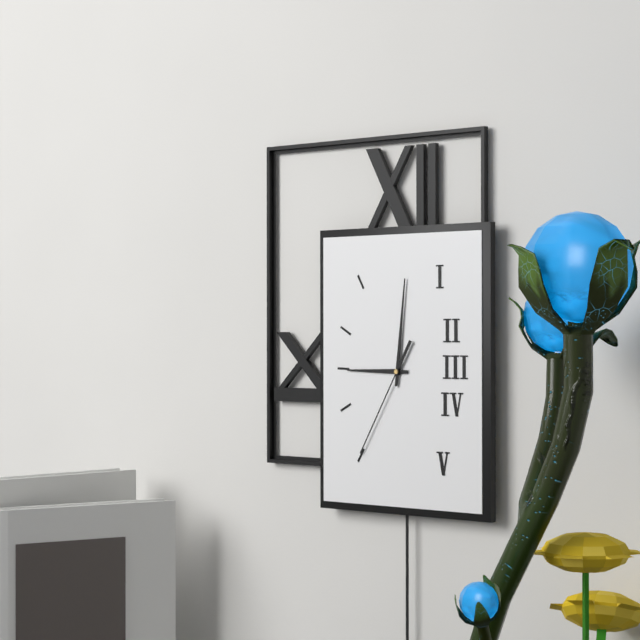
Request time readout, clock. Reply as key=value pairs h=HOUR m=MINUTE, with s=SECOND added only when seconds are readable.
h=9 m=1 s=35
